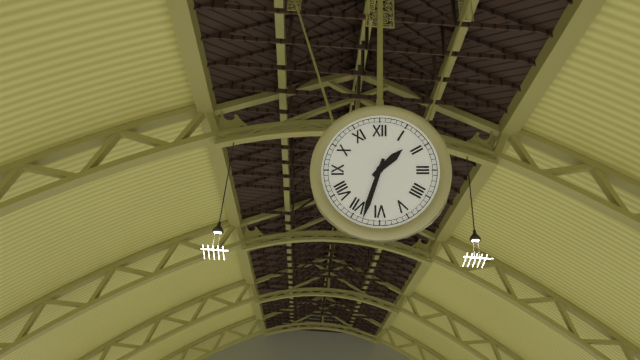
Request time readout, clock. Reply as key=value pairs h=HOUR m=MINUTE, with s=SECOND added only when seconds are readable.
h=1 m=33
